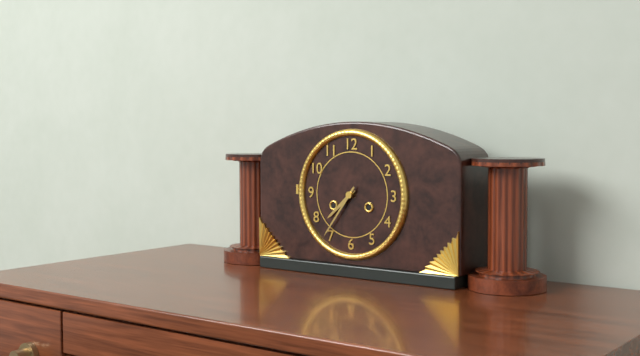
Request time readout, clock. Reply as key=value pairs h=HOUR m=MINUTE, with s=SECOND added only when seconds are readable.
h=7 m=36
